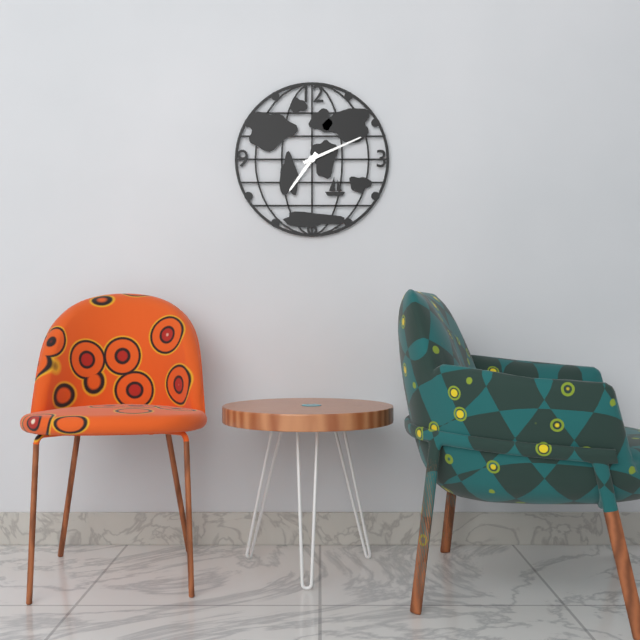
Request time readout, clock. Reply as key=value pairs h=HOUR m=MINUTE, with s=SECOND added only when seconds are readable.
h=7 m=11
